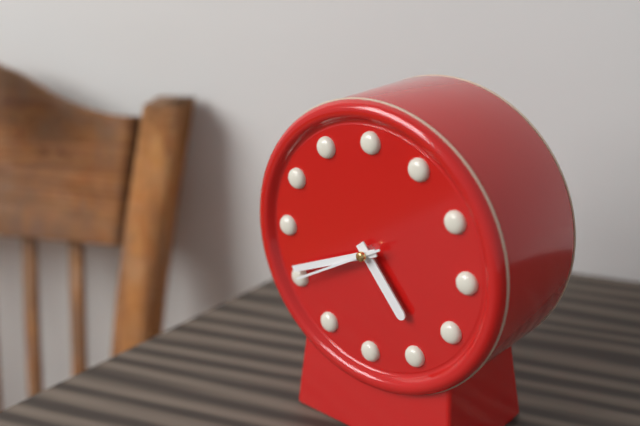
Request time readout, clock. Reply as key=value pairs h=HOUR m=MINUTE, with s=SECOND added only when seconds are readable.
h=4 m=41 s=40
